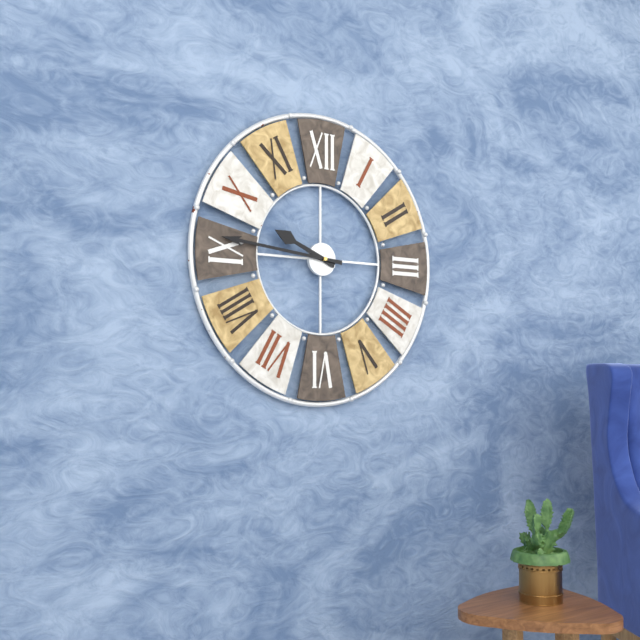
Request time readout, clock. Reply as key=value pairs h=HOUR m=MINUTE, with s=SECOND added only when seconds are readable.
h=9 m=46
